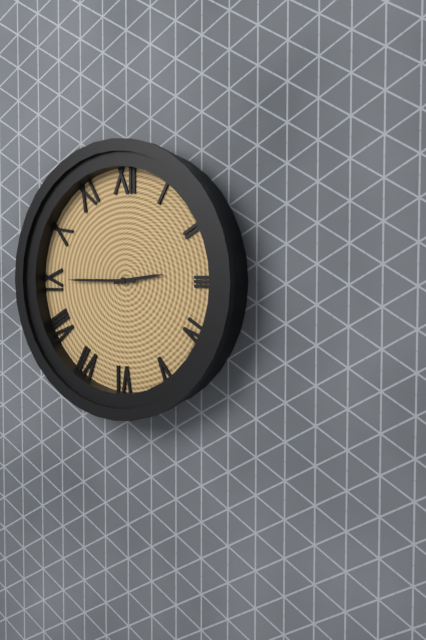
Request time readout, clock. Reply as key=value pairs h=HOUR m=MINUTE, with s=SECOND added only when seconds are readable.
h=2 m=45
